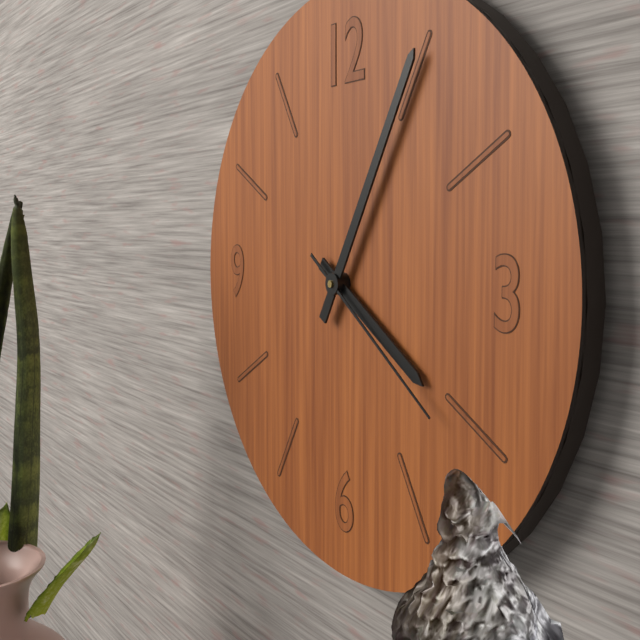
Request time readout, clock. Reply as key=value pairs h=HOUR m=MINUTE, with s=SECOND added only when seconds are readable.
h=4 m=5 s=21
